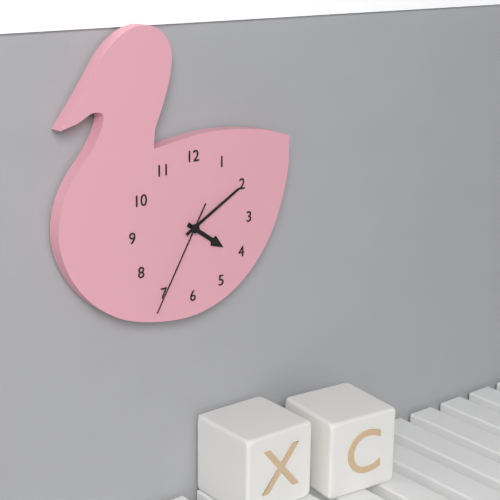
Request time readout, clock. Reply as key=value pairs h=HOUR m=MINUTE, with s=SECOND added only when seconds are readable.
h=4 m=10 s=35
